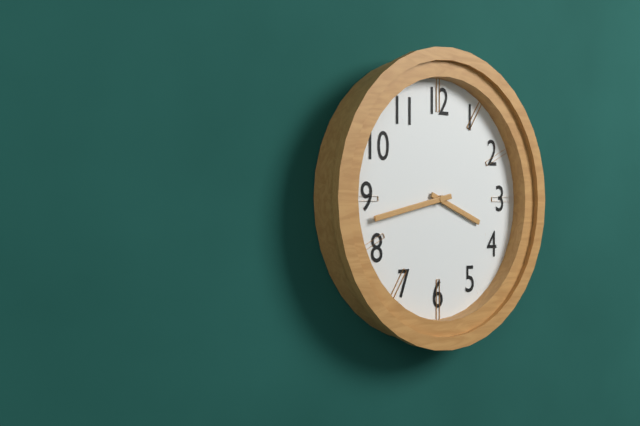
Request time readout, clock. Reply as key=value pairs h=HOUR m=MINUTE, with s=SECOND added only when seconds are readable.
h=3 m=43
